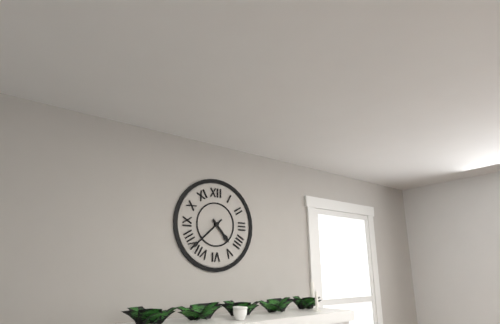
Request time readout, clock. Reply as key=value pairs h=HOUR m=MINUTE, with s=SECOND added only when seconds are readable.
h=4 m=38
